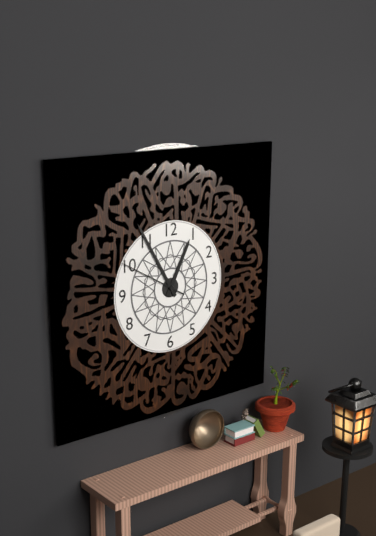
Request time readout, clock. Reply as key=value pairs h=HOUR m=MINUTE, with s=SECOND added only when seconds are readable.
h=12 m=55 s=50
